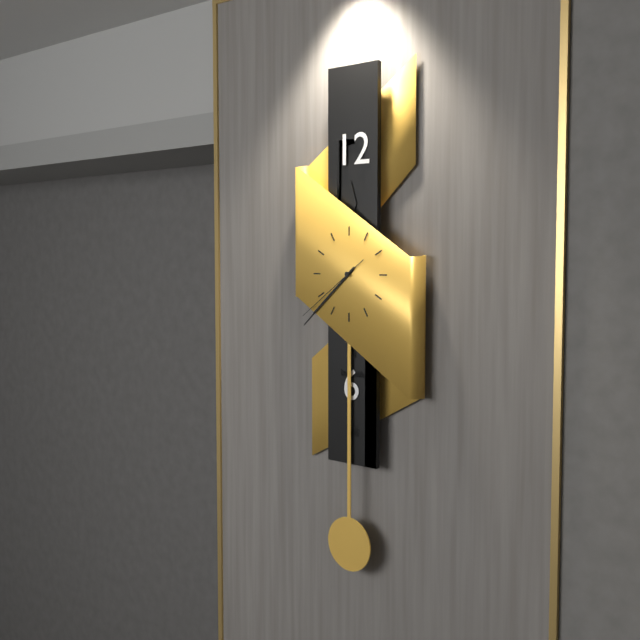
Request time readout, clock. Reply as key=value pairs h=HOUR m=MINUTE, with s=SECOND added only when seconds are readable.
h=7 m=38 s=39
